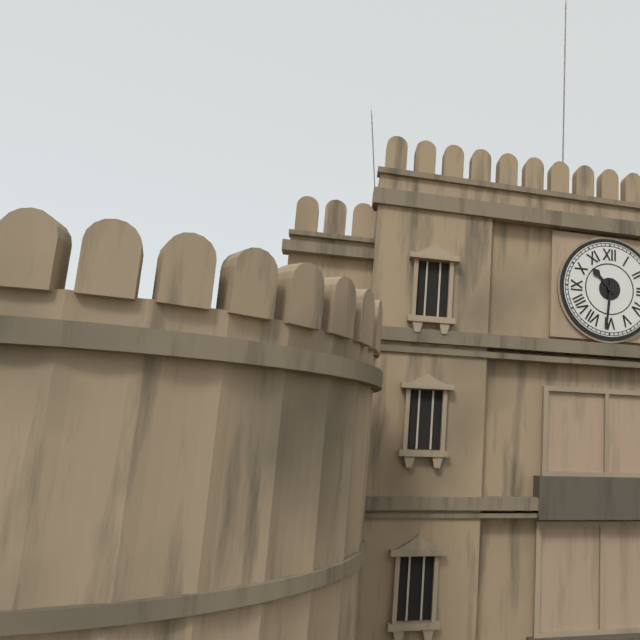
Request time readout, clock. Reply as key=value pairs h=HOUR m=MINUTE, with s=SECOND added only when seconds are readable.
h=10 m=31
